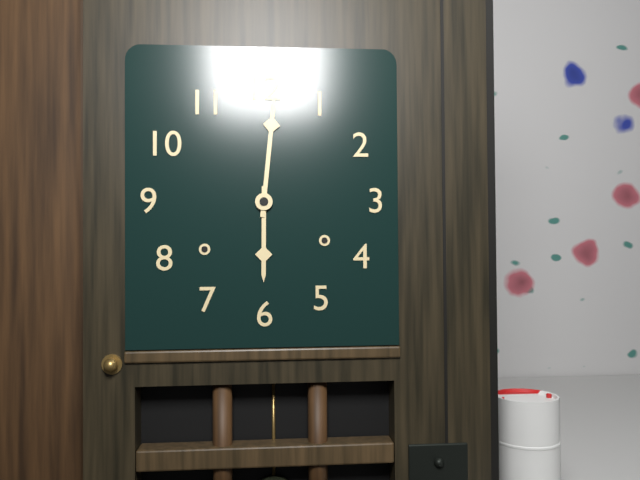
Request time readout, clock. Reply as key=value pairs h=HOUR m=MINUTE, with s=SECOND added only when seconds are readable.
h=6 m=1
